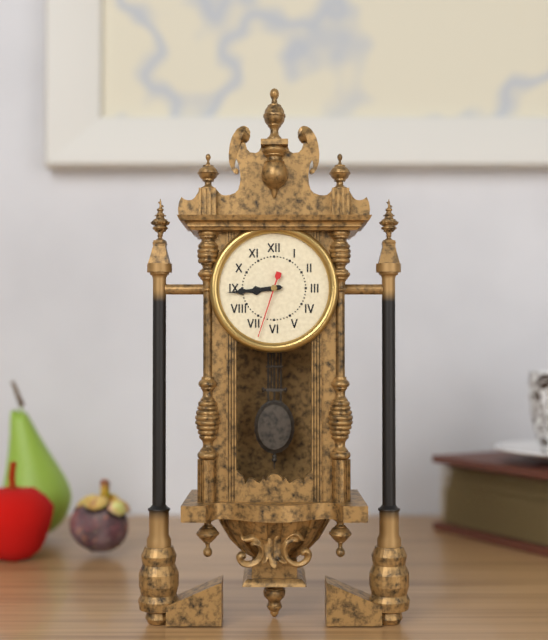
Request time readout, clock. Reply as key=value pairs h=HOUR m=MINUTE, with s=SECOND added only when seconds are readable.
h=8 m=44 s=33
